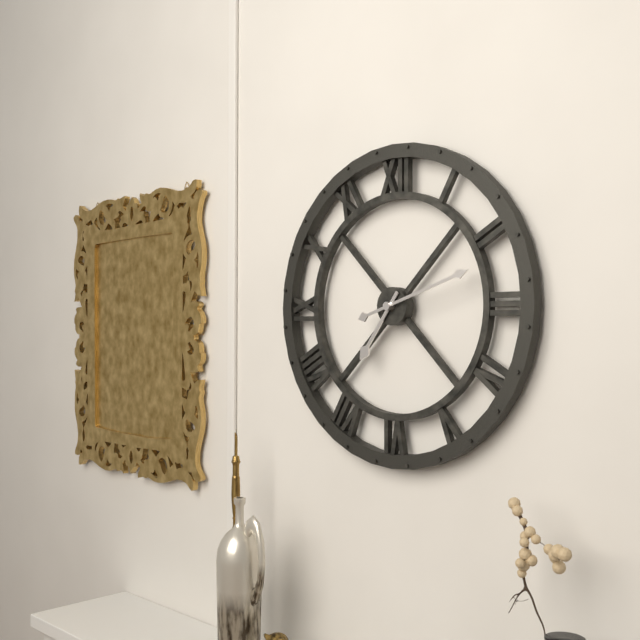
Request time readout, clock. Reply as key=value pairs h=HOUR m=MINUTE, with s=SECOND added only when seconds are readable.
h=7 m=12
